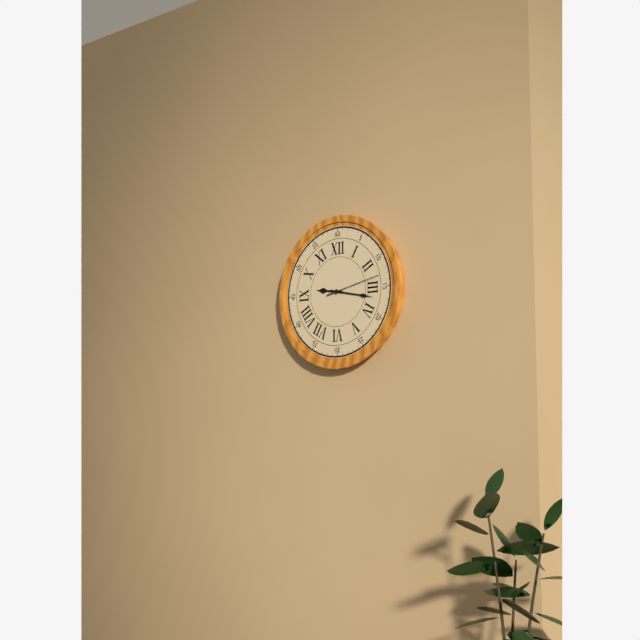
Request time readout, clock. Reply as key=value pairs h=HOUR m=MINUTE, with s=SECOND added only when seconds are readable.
h=9 m=17 s=13
